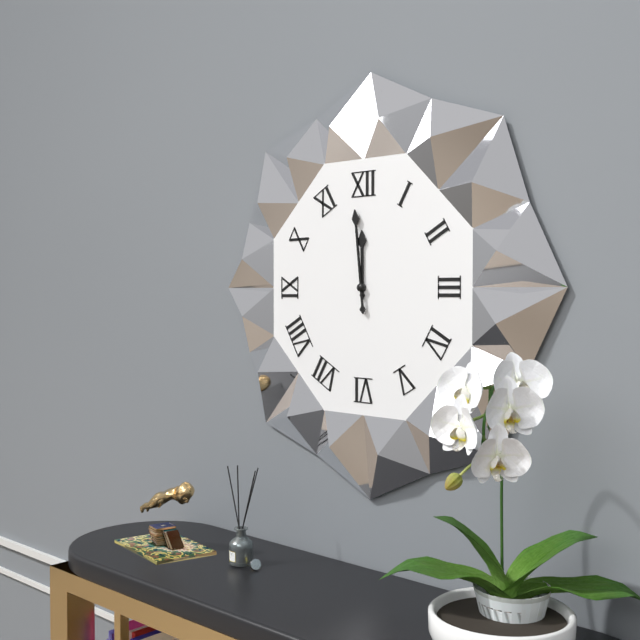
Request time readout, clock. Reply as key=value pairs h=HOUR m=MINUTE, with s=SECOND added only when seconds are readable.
h=11 m=59
